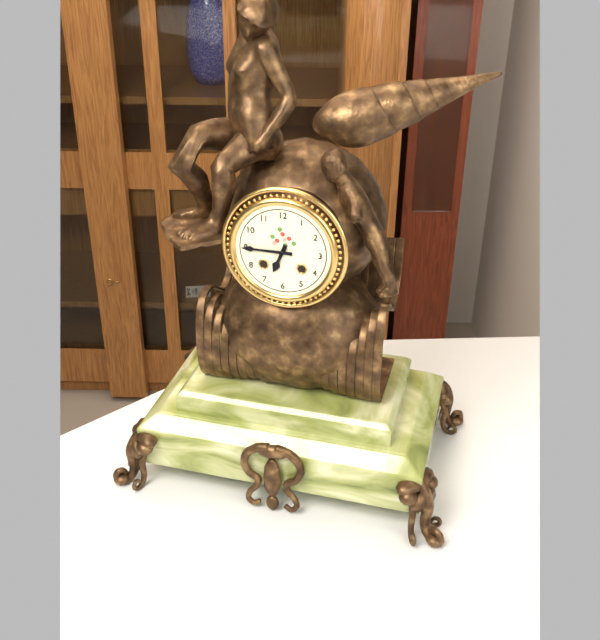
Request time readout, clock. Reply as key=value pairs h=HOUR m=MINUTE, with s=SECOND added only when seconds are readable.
h=6 m=45
